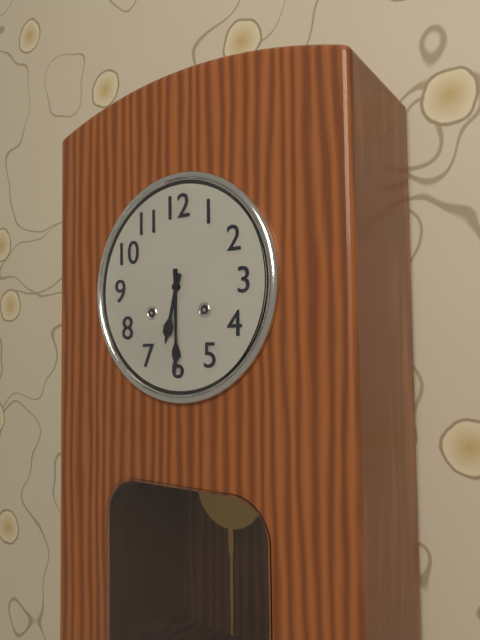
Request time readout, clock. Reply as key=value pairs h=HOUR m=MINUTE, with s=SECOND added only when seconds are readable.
h=6 m=30
